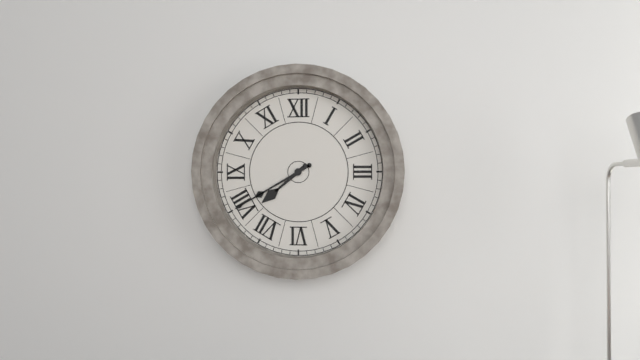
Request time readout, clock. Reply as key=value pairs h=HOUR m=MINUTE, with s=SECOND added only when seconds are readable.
h=7 m=40
